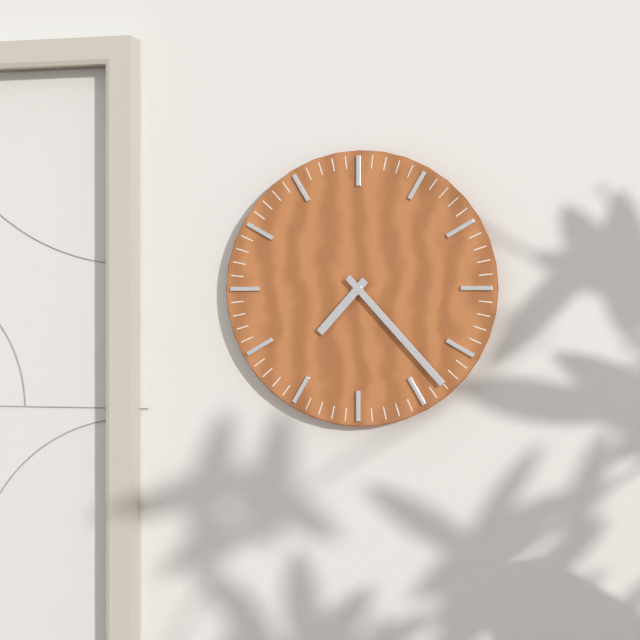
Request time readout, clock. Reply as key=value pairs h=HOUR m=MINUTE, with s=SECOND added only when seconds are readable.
h=7 m=23
